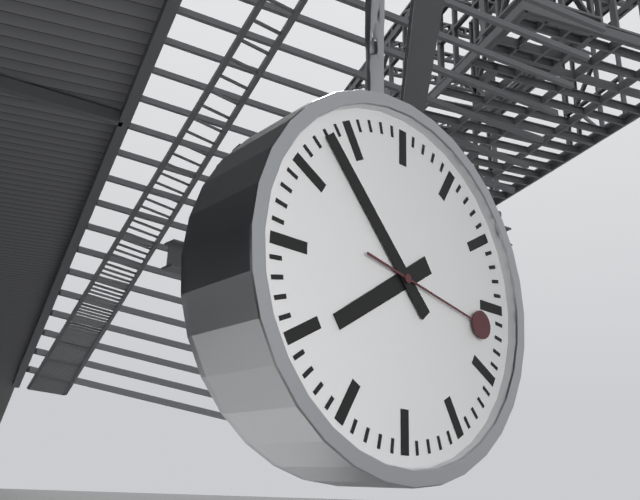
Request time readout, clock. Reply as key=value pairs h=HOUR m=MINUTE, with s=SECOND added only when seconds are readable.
h=7 m=53 s=17
